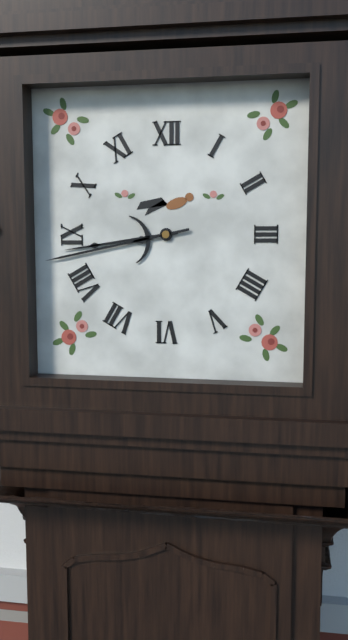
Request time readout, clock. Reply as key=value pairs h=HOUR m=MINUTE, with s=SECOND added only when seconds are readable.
h=8 m=43
